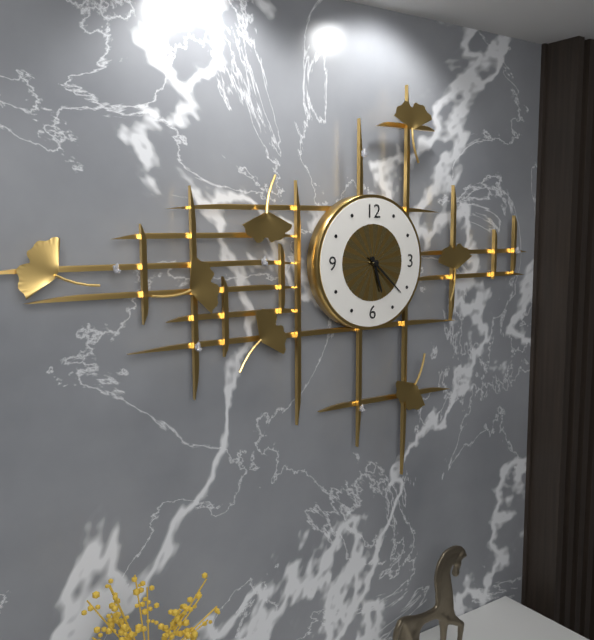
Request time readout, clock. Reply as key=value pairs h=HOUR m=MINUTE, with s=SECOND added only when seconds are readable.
h=5 m=22
